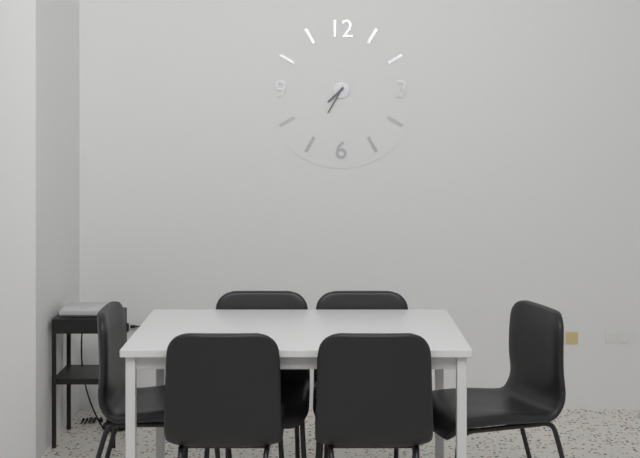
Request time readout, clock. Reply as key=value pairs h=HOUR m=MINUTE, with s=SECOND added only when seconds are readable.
h=7 m=35
